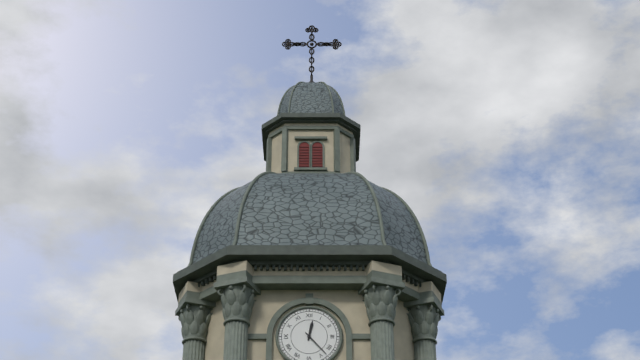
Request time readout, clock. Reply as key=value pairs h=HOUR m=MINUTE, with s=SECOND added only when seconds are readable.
h=12 m=23
